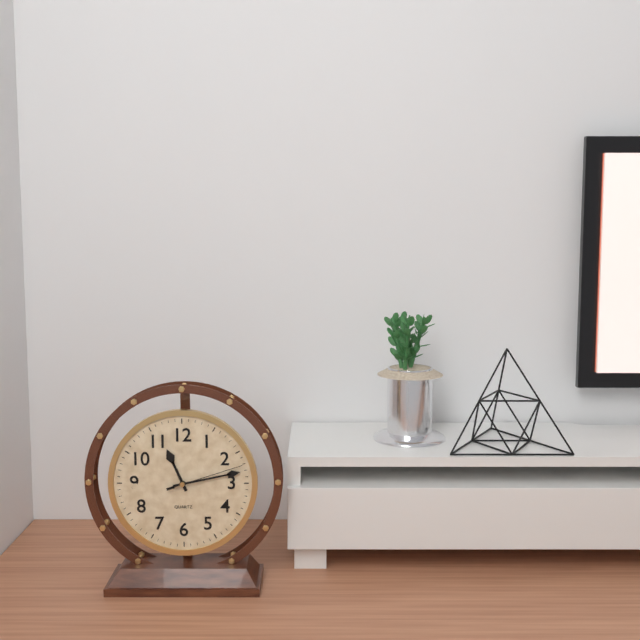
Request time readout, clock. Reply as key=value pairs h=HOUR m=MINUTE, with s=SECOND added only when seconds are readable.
h=11 m=13 s=12
